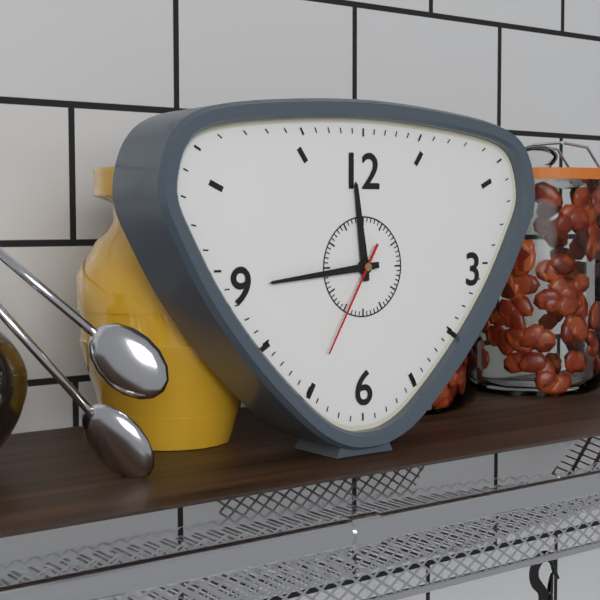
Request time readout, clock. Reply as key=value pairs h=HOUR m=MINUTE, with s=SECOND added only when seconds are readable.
h=11 m=44 s=35
